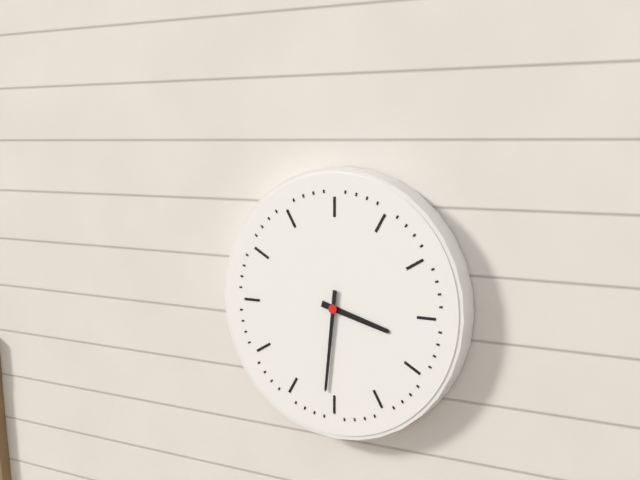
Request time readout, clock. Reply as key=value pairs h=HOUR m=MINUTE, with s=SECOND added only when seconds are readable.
h=3 m=31
